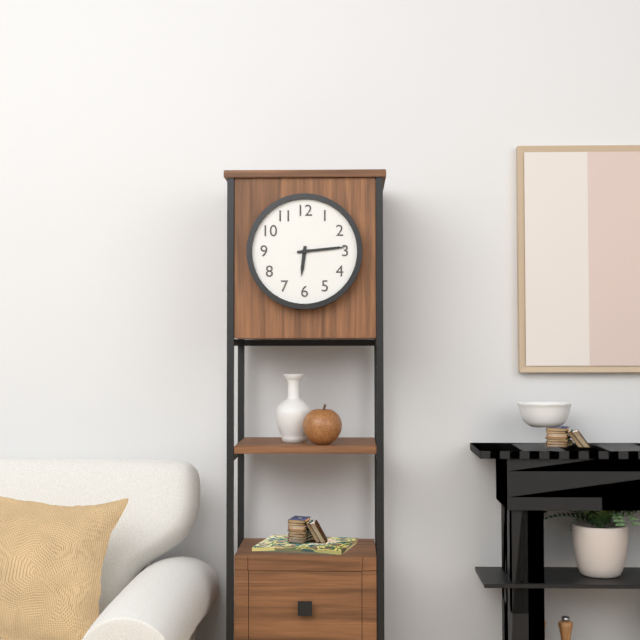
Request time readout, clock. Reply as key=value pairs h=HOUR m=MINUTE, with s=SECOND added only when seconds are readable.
h=6 m=14
